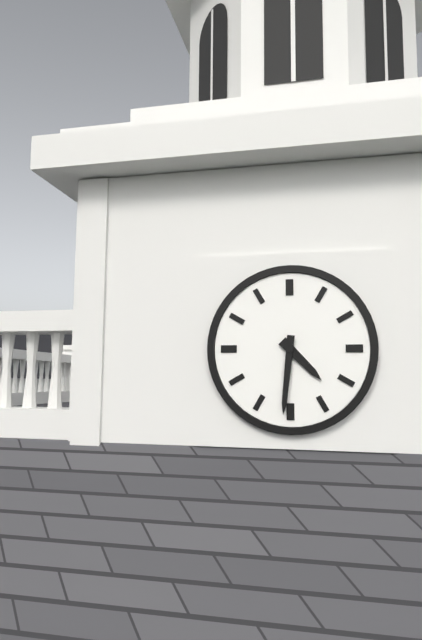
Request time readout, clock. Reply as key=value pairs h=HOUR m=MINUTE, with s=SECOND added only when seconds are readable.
h=4 m=31
